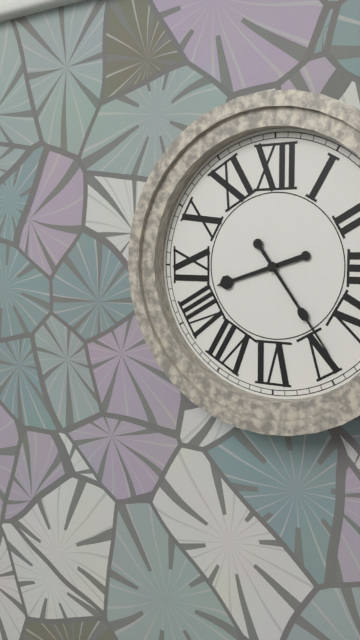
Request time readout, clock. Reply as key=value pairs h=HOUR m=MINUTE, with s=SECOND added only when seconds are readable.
h=8 m=24
